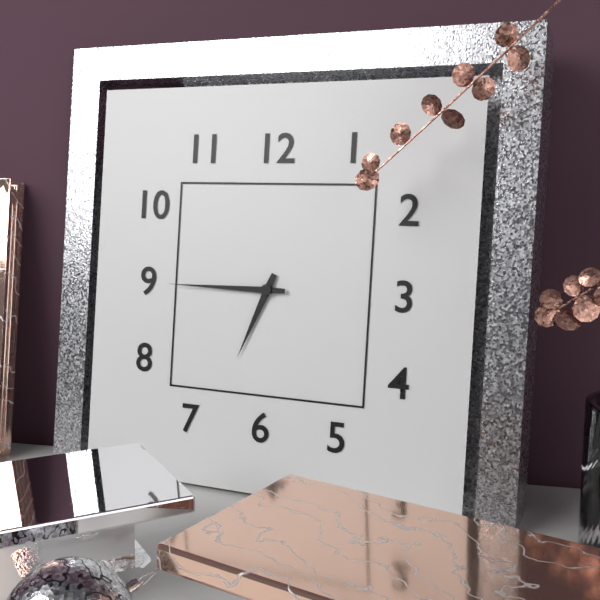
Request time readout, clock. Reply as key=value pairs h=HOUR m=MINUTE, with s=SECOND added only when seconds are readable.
h=6 m=45
